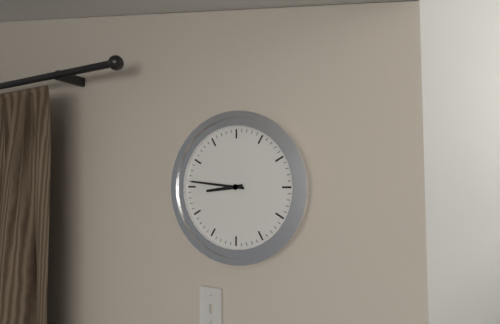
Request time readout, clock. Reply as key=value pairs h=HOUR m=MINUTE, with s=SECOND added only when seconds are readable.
h=8 m=46
